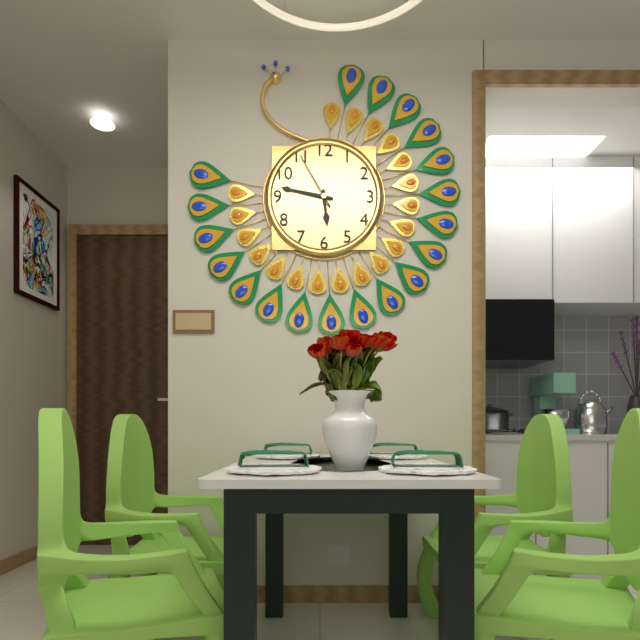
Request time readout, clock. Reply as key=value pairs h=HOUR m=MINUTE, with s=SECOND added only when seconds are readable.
h=5 m=47 s=55
